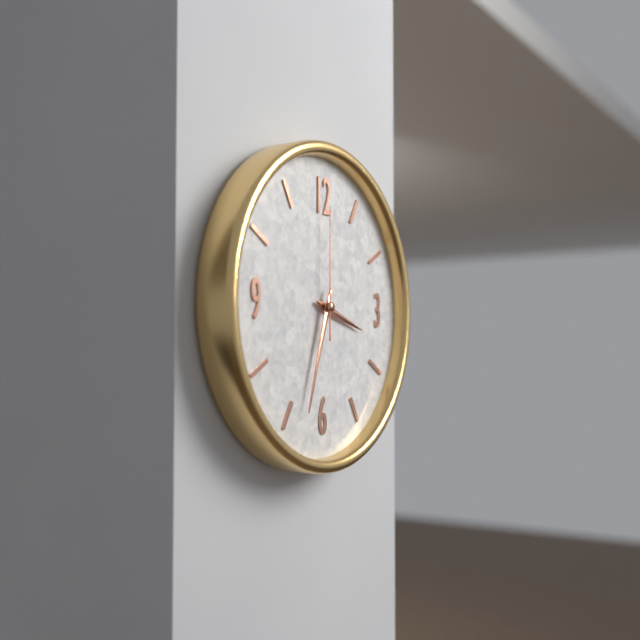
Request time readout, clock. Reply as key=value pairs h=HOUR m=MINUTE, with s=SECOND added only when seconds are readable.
h=3 m=33 s=0
